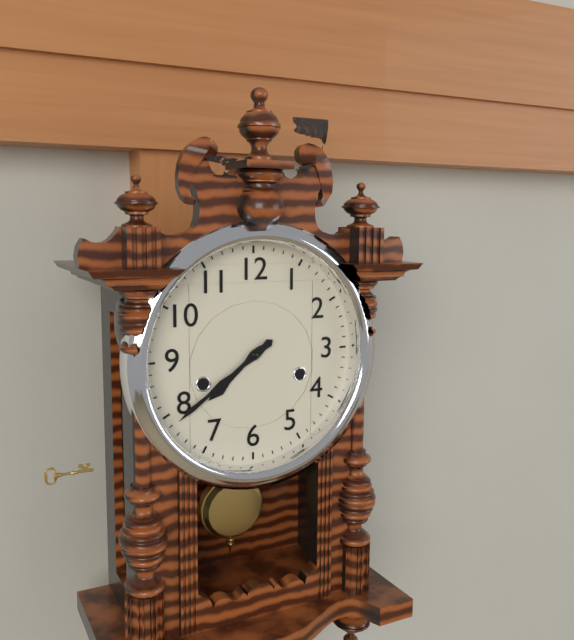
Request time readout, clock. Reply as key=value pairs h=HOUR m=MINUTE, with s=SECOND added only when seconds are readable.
h=7 m=39
